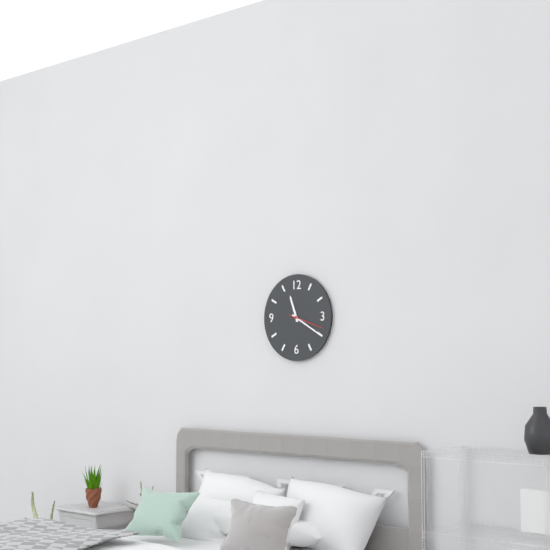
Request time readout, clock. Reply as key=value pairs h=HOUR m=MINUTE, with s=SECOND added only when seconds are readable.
h=11 m=20
